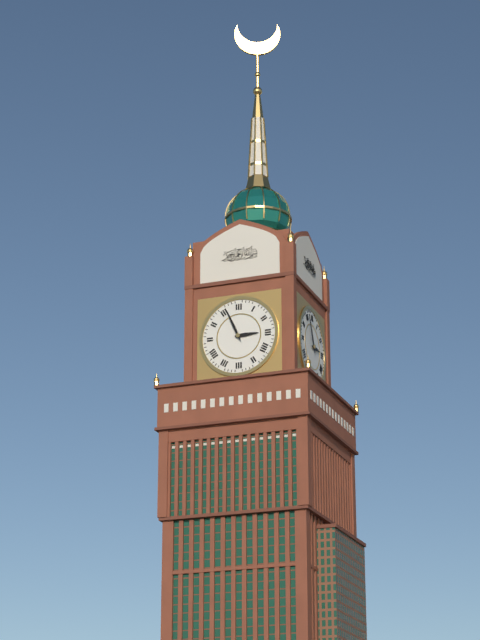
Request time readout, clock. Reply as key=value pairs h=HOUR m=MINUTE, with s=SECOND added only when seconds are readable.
h=2 m=56
